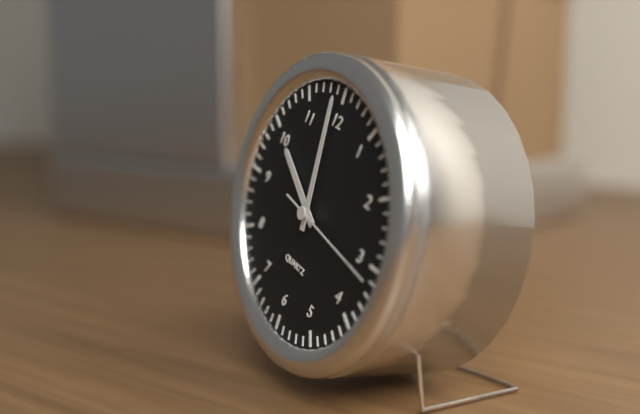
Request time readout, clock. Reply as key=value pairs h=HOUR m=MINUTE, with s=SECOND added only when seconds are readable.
h=9 m=59 s=16
